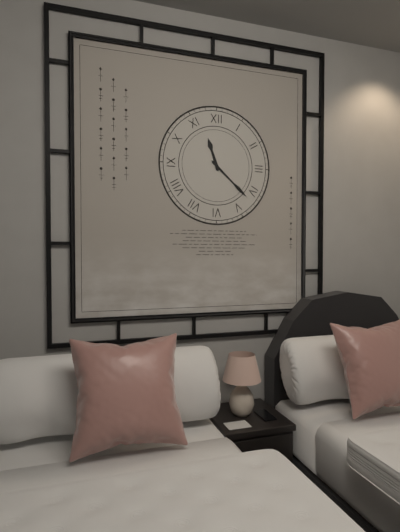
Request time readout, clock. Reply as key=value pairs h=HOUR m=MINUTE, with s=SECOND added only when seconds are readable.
h=11 m=22
